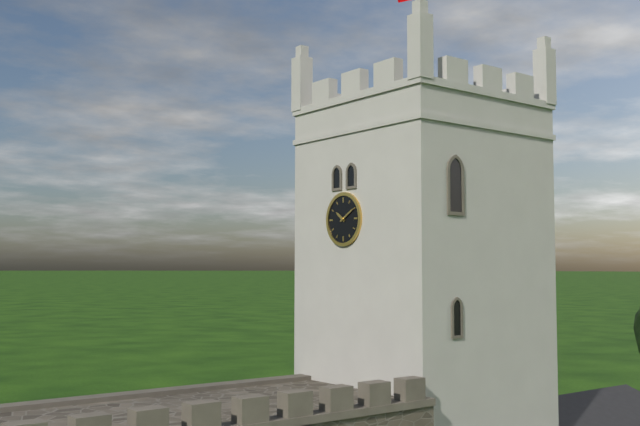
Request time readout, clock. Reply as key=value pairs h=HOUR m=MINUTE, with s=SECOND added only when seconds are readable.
h=10 m=10
